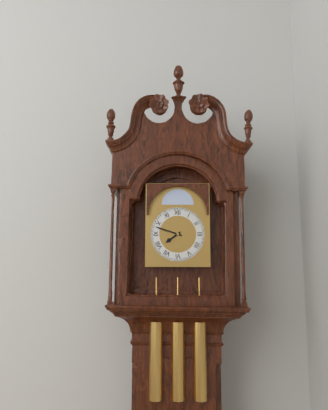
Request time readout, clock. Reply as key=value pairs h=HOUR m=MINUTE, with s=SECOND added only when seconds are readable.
h=7 m=48
